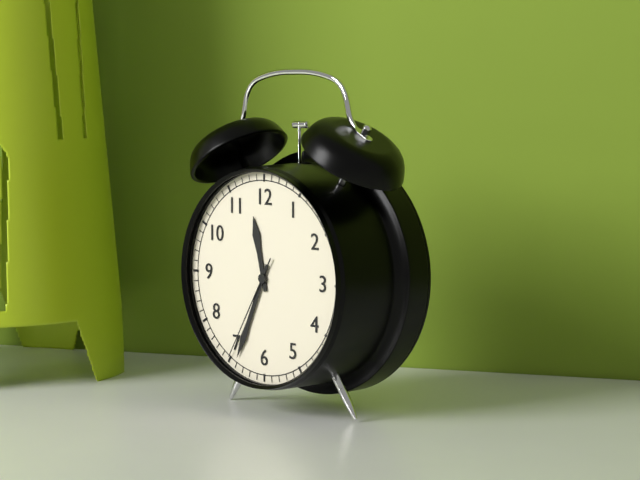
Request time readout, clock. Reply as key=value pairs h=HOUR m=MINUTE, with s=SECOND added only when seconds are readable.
h=11 m=34 s=35
